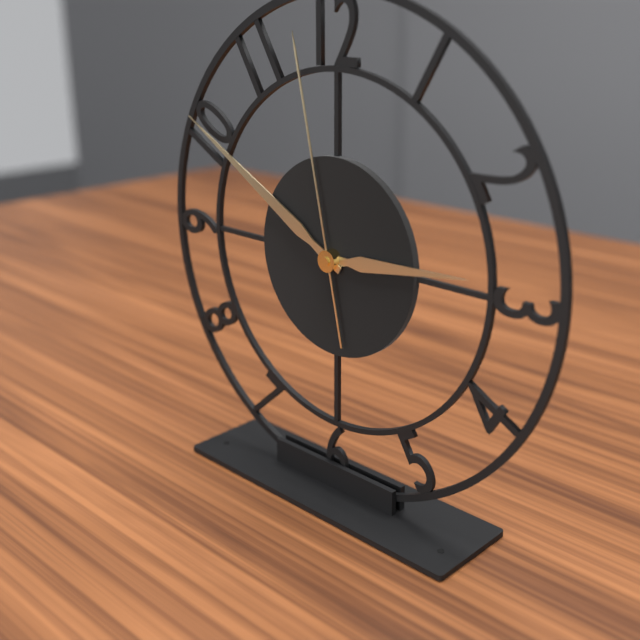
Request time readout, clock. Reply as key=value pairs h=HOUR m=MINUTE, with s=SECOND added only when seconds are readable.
h=2 m=50 s=58
